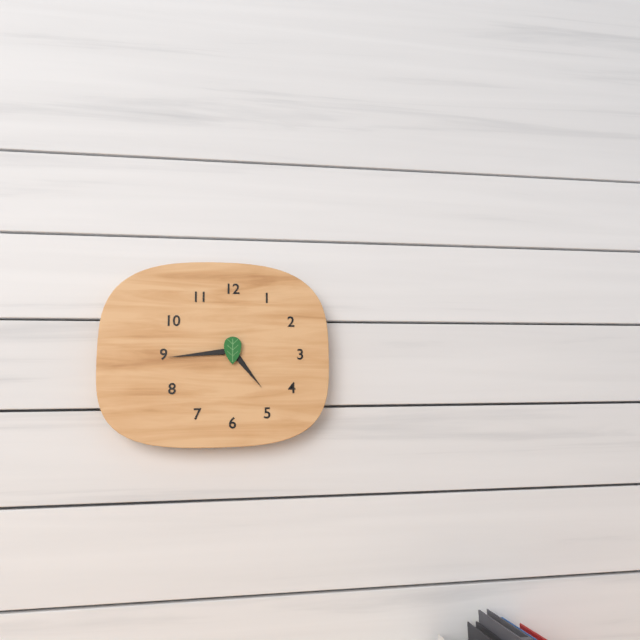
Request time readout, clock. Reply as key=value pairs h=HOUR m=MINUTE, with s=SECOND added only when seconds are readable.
h=4 m=44
